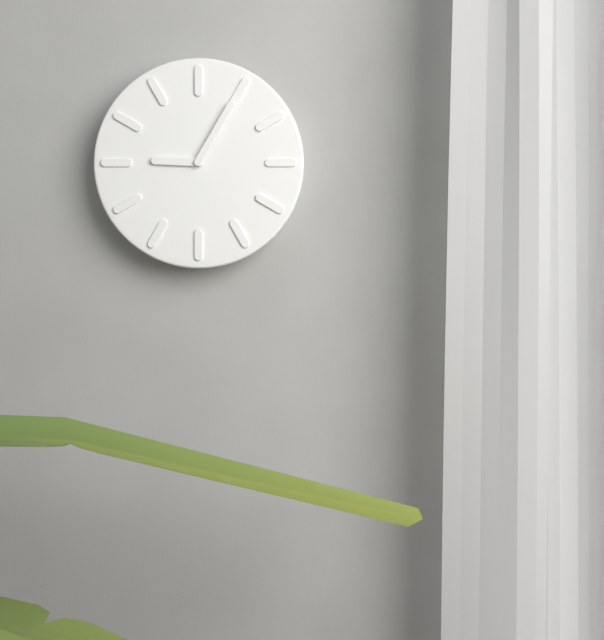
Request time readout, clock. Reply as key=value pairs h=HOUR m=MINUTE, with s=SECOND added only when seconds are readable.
h=9 m=5
